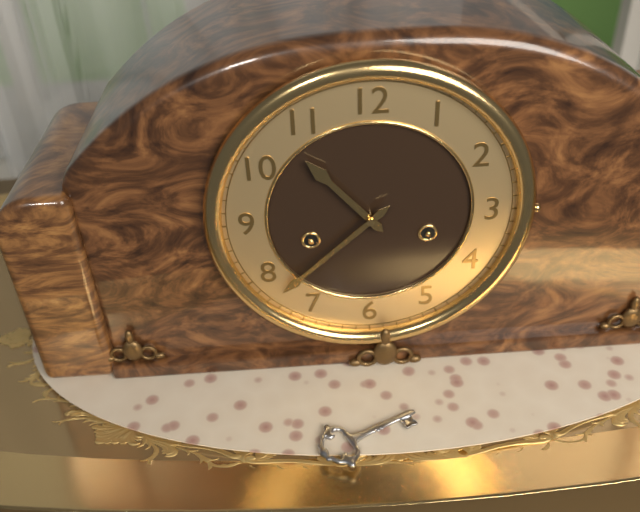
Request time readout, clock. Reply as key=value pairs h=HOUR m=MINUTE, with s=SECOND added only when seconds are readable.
h=10 m=38
